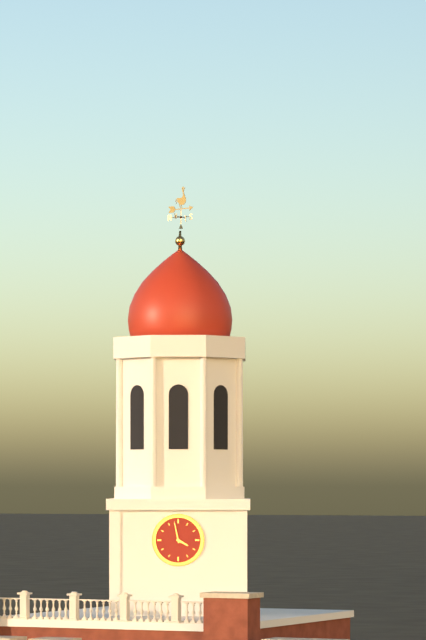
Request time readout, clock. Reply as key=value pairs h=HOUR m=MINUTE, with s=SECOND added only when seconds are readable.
h=3 m=58
